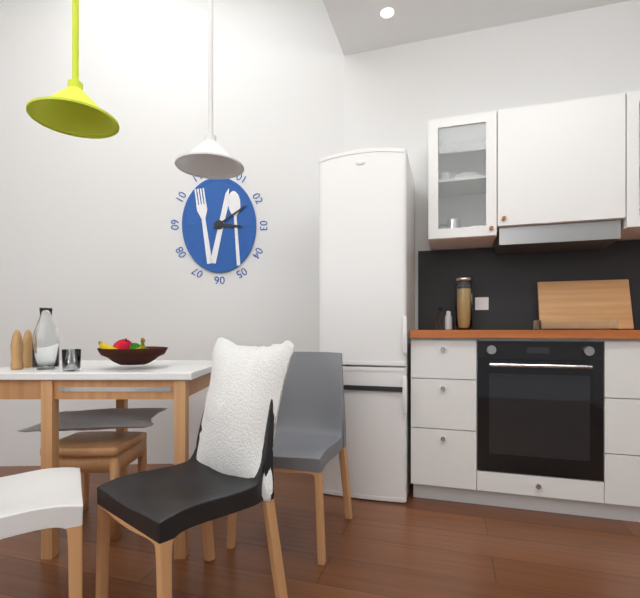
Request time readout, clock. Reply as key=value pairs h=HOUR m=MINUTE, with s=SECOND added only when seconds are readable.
h=3 m=9
